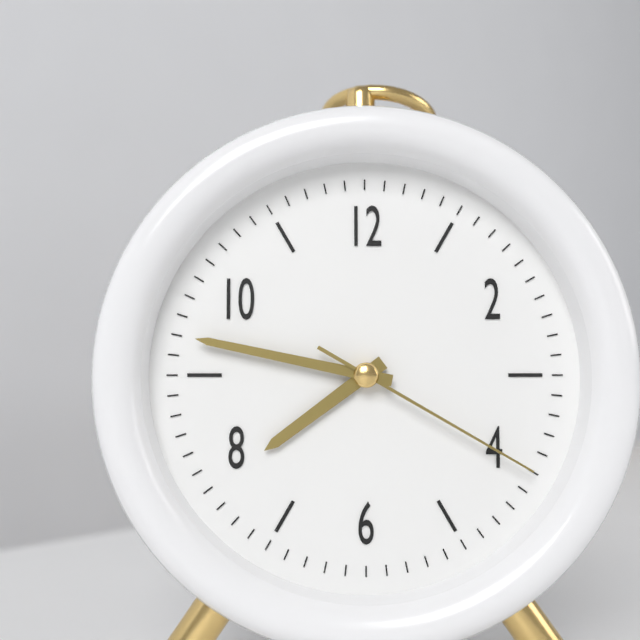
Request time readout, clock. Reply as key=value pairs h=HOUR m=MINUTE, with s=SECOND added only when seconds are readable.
h=7 m=47 s=20
